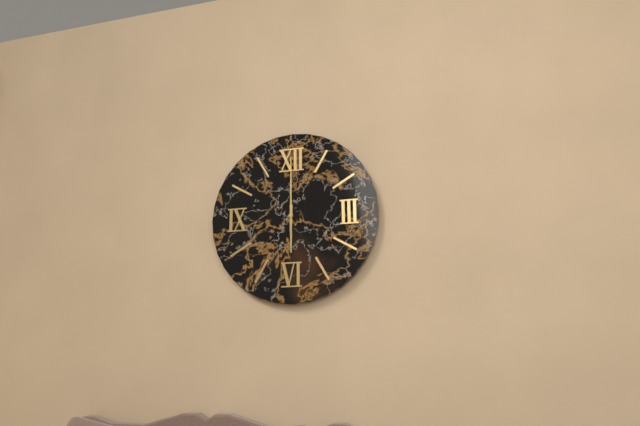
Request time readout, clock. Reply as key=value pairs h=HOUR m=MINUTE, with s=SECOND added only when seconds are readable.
h=6 m=0
